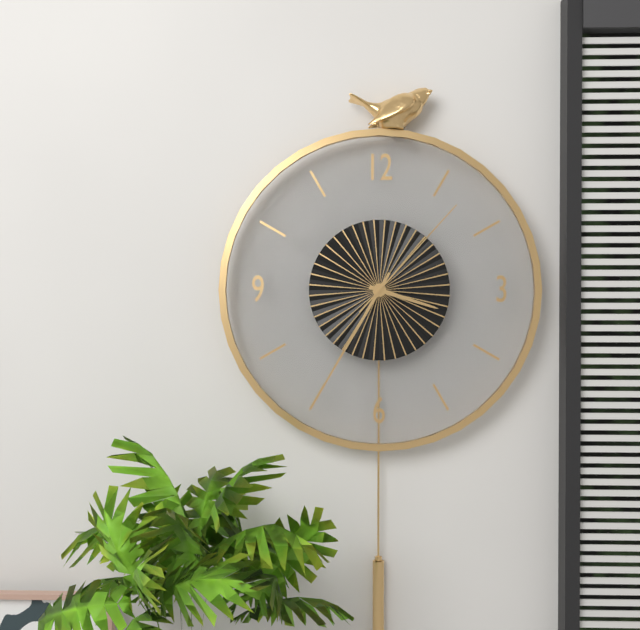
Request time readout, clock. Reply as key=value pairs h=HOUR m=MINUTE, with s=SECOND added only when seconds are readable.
h=3 m=35 s=7
